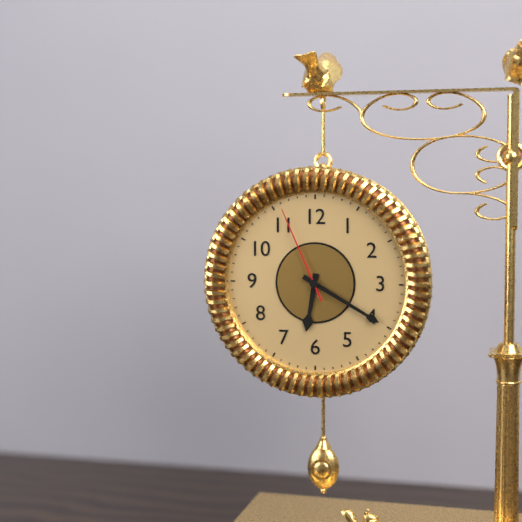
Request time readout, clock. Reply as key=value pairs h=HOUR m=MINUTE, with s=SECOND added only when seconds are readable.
h=6 m=20 s=56
